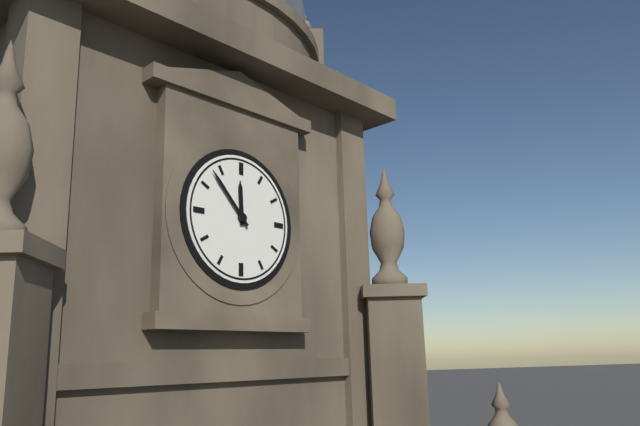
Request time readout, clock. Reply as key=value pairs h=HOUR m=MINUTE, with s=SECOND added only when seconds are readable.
h=11 m=53
